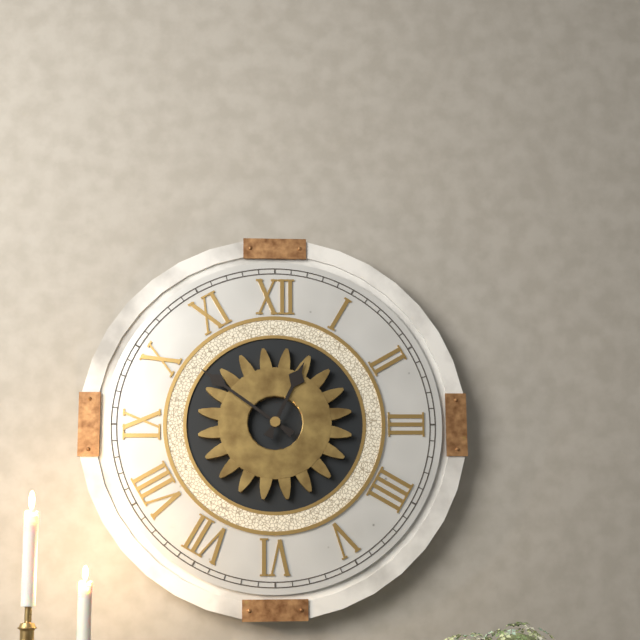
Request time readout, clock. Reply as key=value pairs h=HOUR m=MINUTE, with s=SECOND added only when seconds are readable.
h=12 m=51
